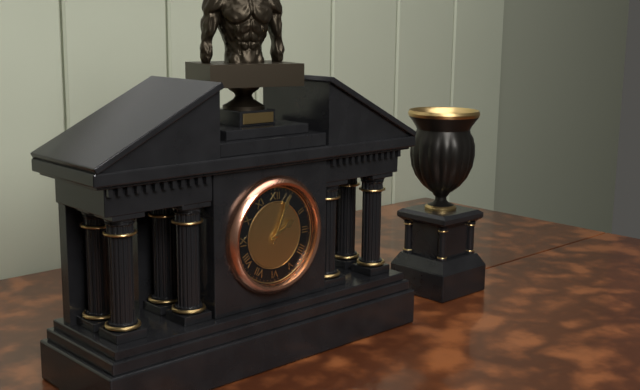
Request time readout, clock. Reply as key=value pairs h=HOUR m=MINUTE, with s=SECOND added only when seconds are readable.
h=2 m=4
